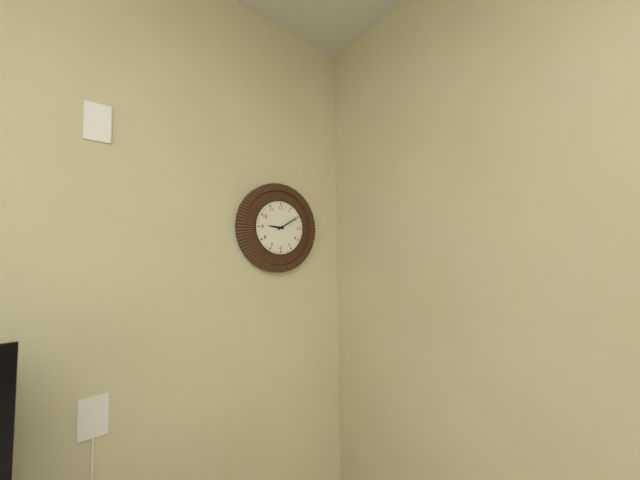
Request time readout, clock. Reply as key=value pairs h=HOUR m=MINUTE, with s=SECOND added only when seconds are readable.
h=9 m=10
